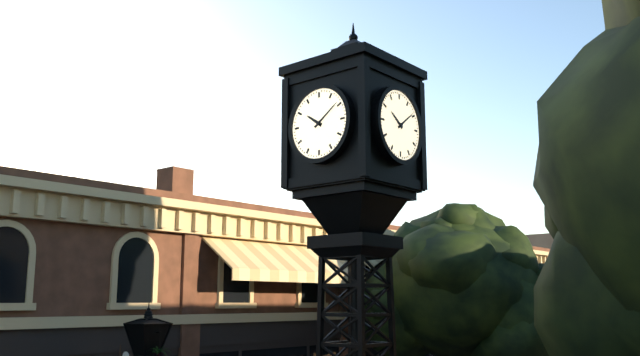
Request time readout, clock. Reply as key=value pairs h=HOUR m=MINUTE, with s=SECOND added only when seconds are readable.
h=10 m=9
